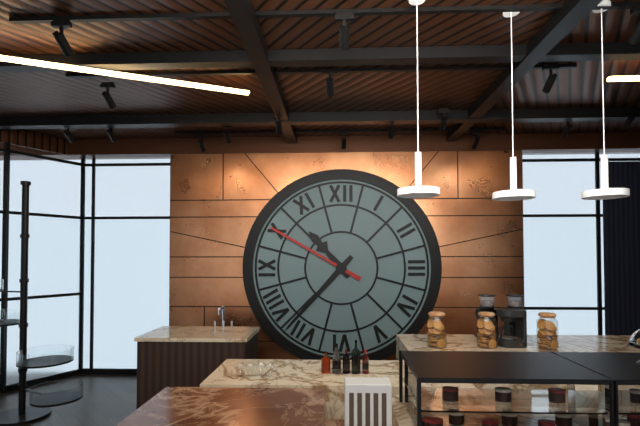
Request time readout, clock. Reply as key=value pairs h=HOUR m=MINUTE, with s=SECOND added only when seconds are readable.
h=10 m=37 s=50
